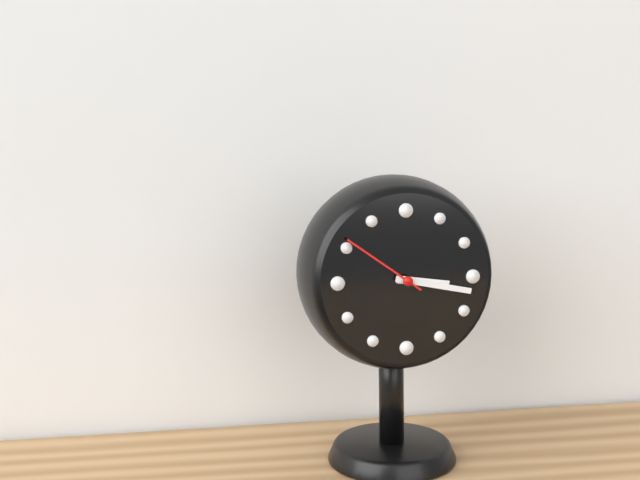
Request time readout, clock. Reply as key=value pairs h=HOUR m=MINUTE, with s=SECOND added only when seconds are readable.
h=3 m=17 s=51
